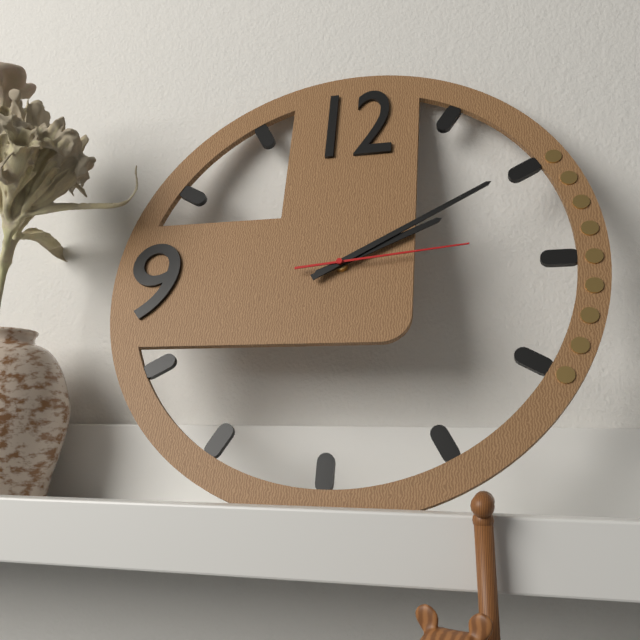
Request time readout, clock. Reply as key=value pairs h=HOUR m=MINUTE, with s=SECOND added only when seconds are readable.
h=2 m=10 s=14
